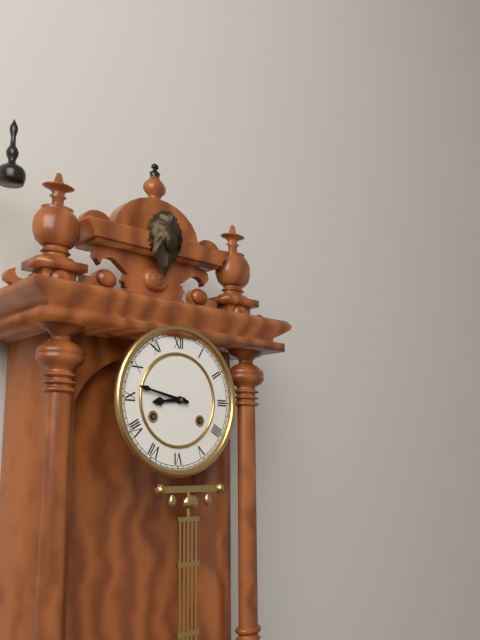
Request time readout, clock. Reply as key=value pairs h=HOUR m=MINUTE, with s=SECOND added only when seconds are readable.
h=8 m=47
